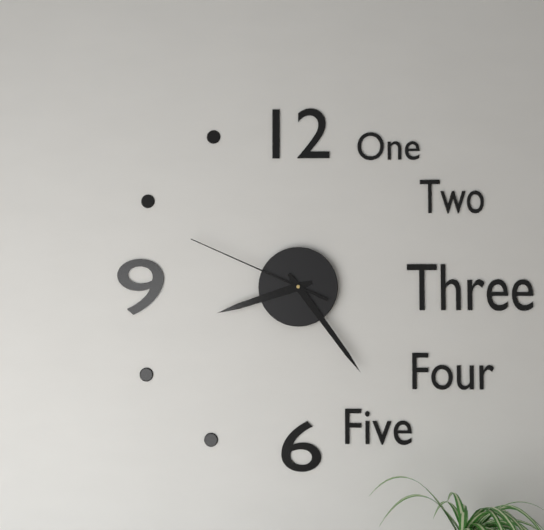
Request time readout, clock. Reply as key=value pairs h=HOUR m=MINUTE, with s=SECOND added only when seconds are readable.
h=8 m=24 s=49
